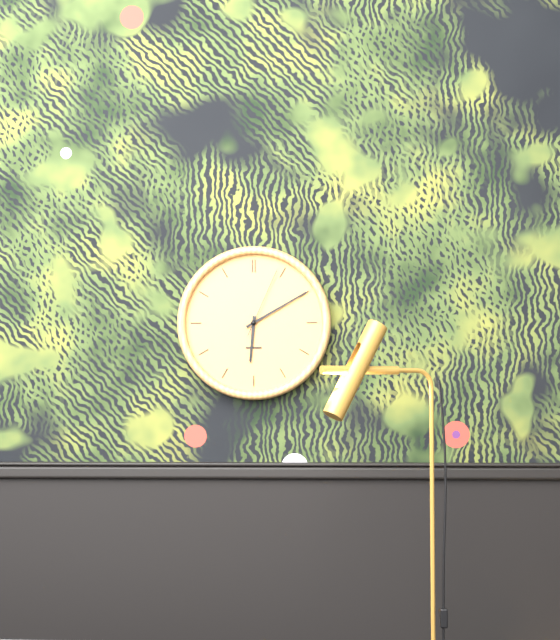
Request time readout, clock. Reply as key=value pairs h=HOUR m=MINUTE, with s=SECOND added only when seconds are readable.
h=6 m=10 s=4
